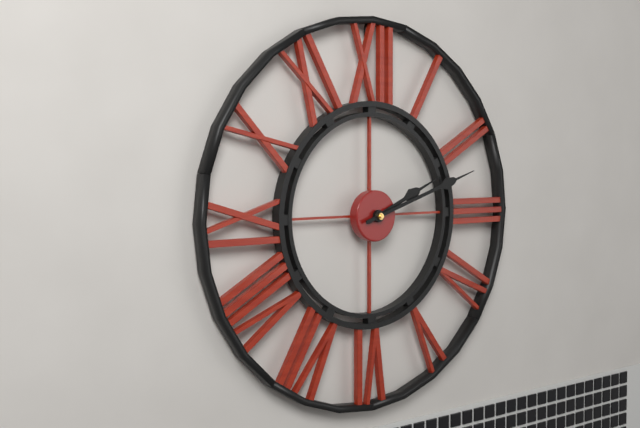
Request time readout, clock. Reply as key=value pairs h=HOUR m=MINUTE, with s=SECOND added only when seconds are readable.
h=2 m=12
